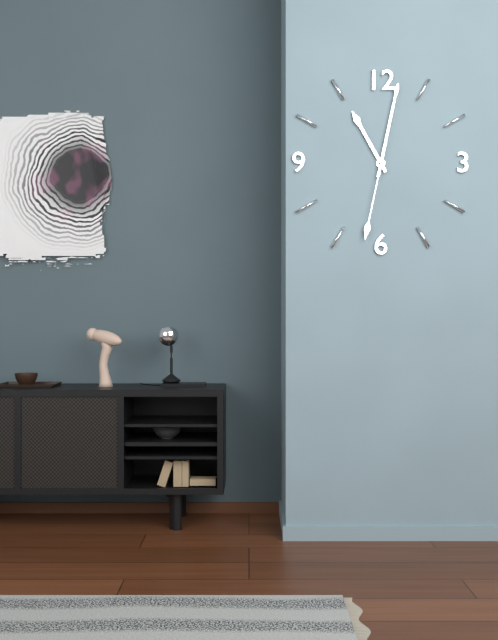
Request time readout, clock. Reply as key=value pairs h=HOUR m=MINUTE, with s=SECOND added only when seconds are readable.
h=11 m=2 s=32
